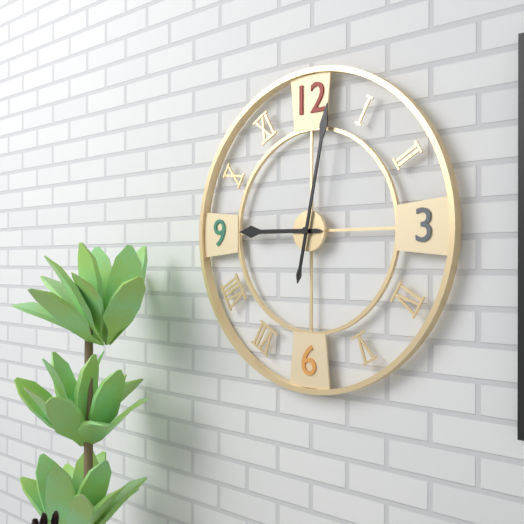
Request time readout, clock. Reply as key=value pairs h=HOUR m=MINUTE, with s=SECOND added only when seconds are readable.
h=9 m=2
